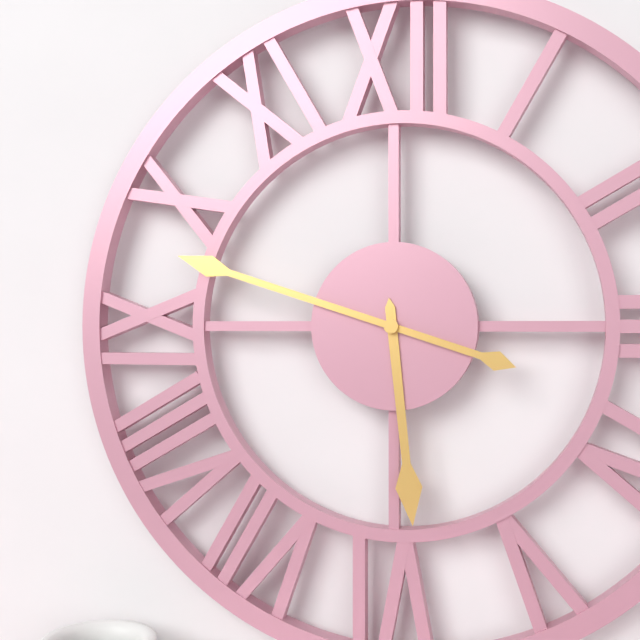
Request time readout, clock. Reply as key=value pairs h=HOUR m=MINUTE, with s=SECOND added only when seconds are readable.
h=5 m=48
